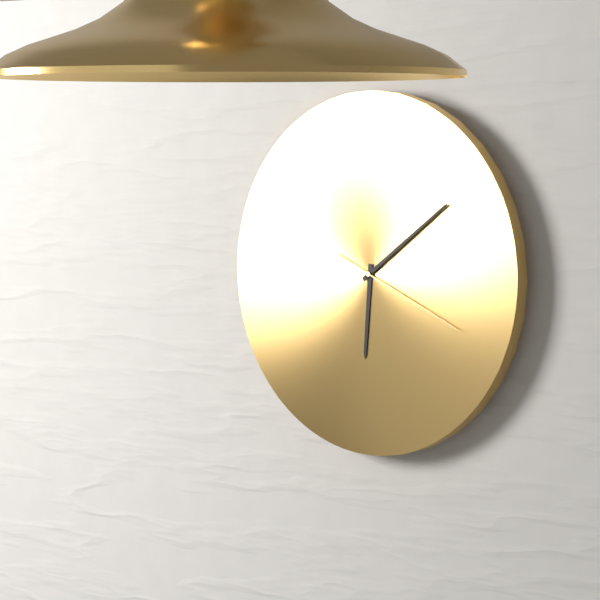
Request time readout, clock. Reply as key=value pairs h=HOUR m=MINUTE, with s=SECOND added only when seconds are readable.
h=6 m=9 s=19
